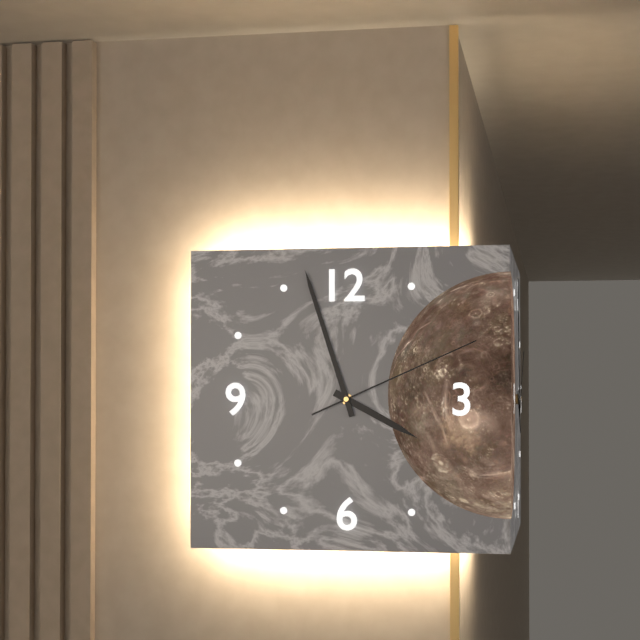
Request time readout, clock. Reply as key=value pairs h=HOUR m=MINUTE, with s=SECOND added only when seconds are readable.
h=3 m=57 s=11
